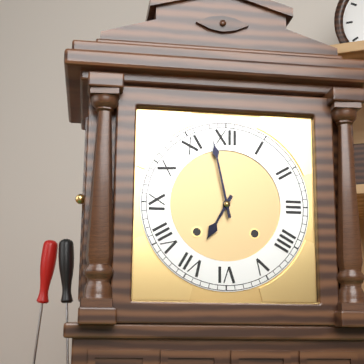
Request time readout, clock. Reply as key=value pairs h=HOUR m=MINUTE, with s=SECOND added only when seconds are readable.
h=6 m=58
